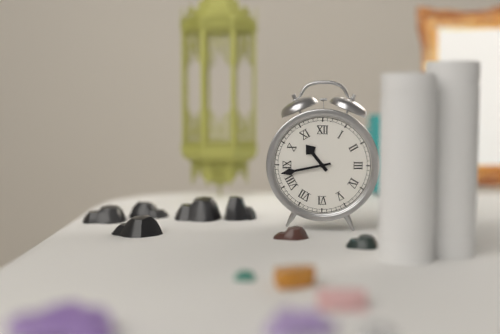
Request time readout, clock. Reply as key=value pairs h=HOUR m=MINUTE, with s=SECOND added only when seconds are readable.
h=10 m=43
